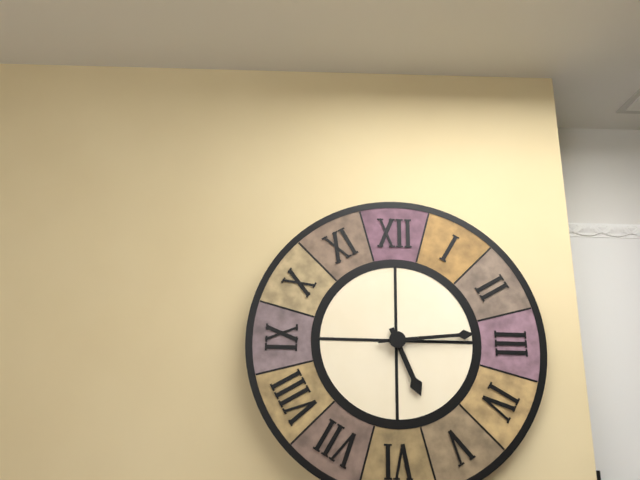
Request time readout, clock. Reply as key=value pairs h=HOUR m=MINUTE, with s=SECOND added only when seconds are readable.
h=5 m=14
